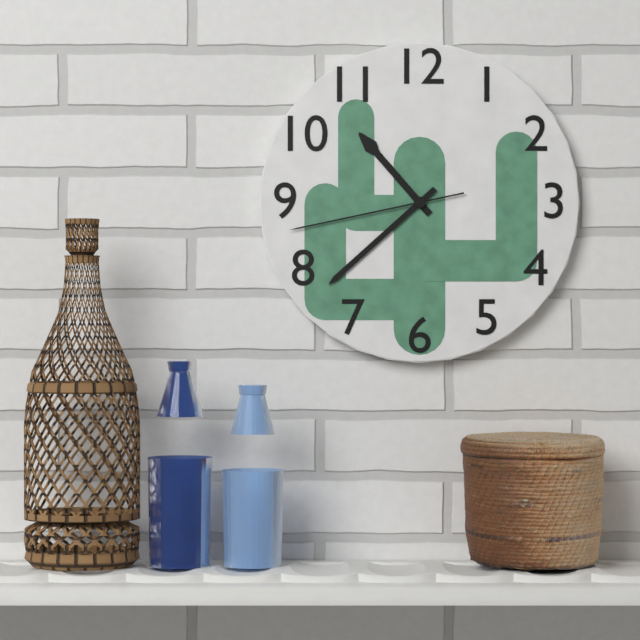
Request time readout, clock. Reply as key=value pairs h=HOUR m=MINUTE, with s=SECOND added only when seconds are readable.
h=10 m=38 s=43
